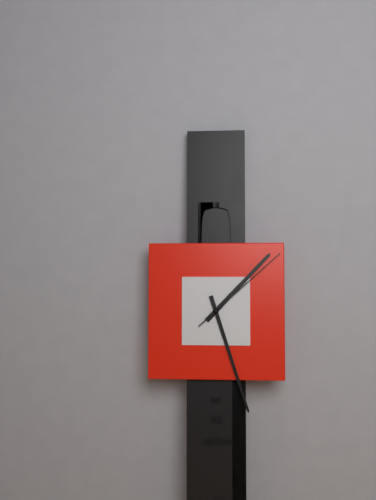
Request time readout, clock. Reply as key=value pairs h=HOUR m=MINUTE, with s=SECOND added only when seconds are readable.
h=1 m=27 s=8
